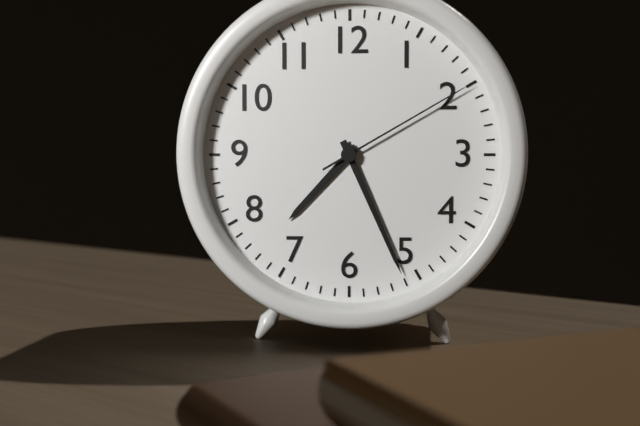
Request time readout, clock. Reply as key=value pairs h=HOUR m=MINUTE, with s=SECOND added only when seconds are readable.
h=7 m=26 s=10
